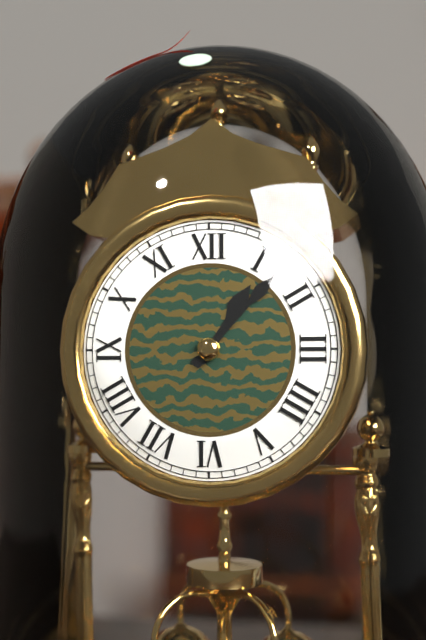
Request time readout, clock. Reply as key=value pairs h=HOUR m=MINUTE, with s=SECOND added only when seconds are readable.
h=1 m=7
